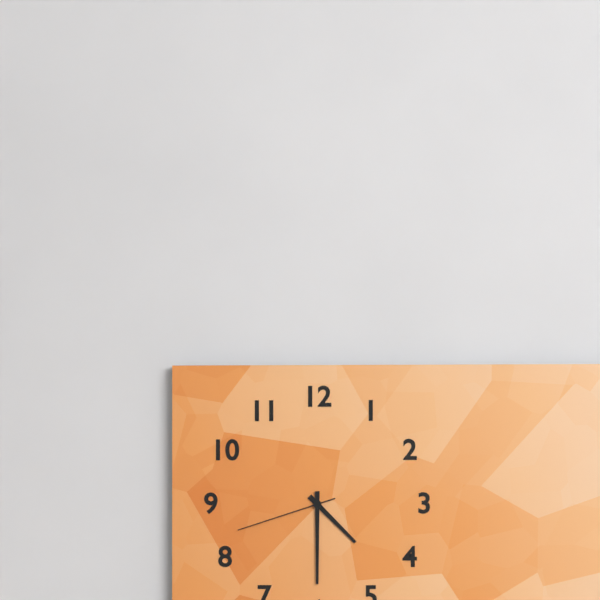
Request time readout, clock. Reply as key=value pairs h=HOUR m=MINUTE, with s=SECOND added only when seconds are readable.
h=4 m=30 s=42
